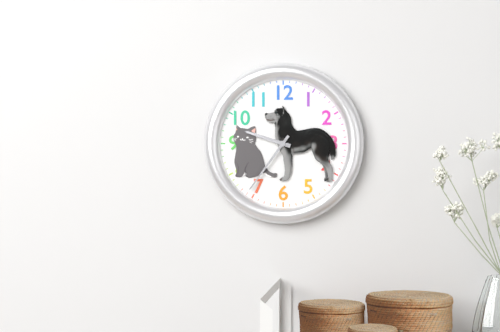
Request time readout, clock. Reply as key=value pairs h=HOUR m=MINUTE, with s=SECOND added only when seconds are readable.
h=9 m=36
